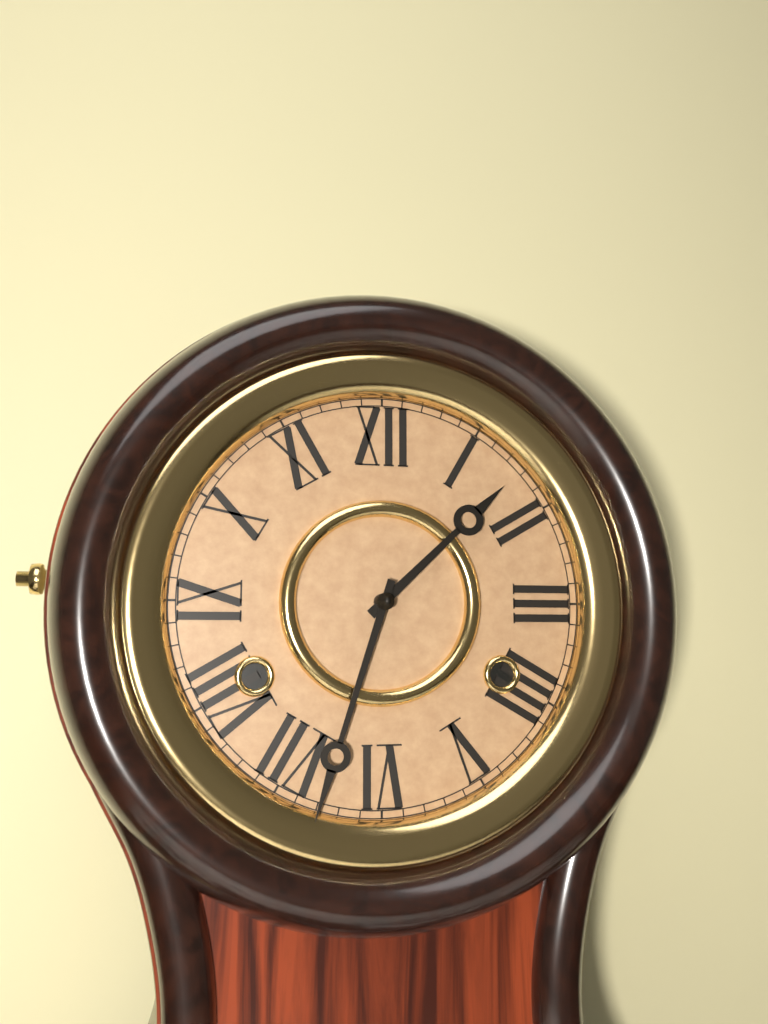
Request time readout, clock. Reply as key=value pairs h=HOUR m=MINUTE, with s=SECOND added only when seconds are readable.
h=1 m=33
